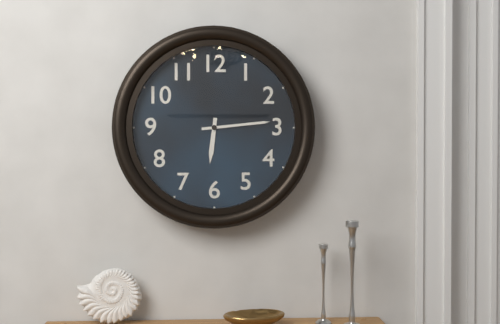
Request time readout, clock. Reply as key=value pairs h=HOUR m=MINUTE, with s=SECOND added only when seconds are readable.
h=6 m=14
